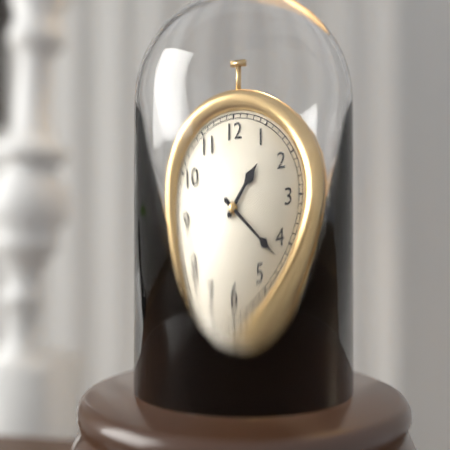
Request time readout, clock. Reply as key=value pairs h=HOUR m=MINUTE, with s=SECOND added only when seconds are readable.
h=1 m=22
